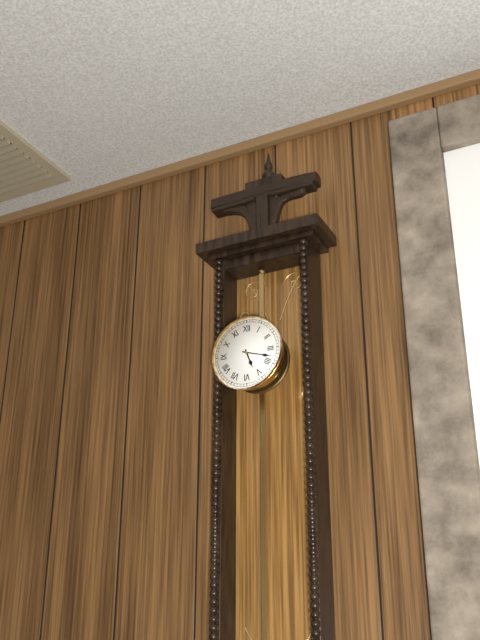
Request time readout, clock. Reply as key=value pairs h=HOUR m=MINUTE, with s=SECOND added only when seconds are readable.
h=5 m=18
